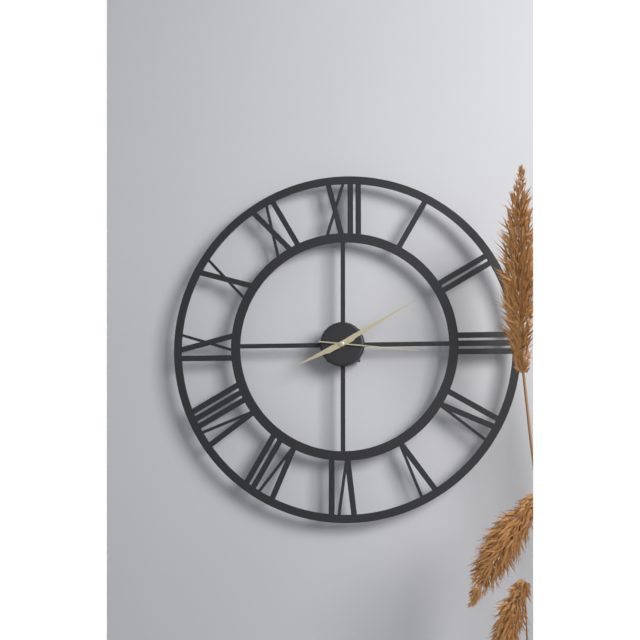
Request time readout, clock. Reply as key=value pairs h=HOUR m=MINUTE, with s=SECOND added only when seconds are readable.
h=8 m=10 s=16
